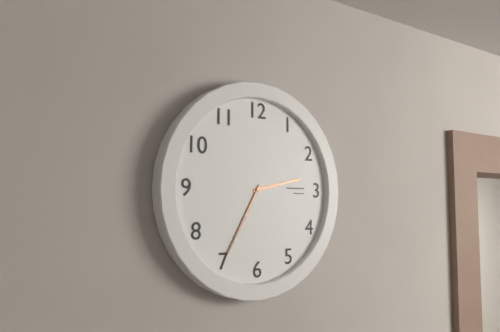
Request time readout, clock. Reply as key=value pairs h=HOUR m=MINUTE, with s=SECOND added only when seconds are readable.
h=2 m=35
